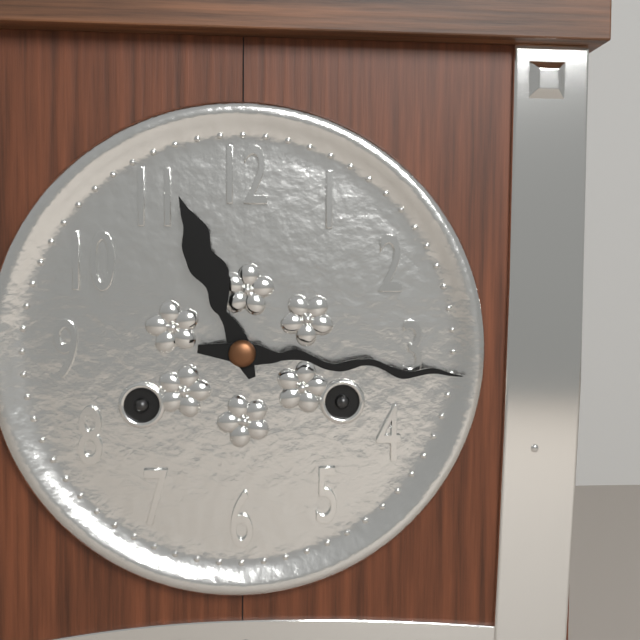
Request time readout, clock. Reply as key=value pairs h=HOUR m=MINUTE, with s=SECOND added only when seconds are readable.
h=11 m=16
